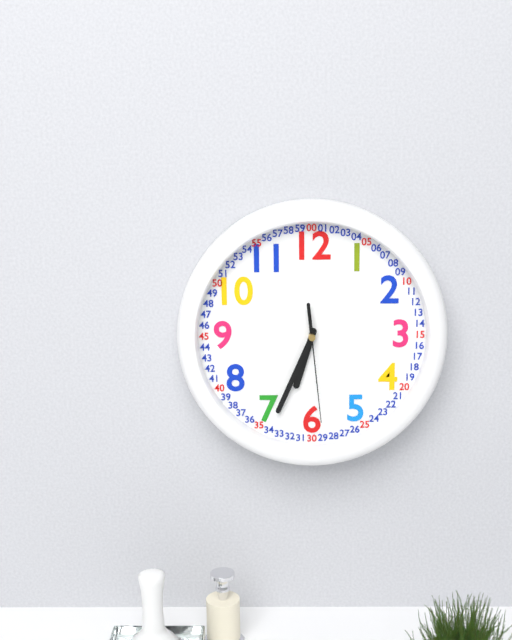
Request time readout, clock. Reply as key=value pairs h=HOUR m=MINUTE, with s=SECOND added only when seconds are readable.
h=6 m=34 s=29
